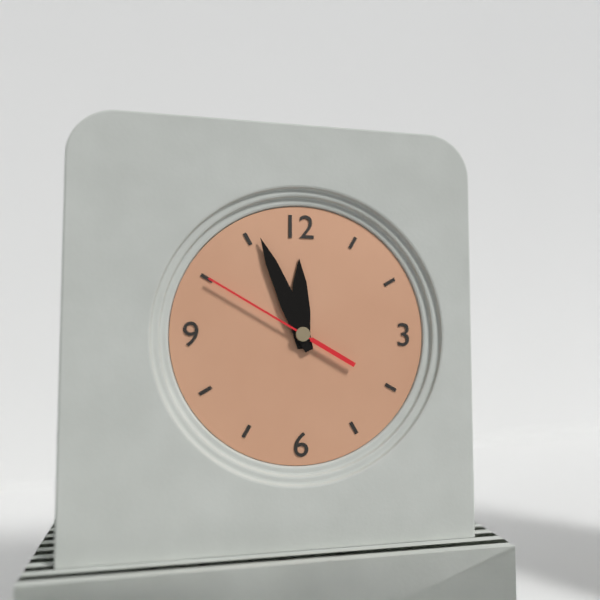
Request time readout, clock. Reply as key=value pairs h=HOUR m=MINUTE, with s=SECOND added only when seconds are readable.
h=11 m=56 s=50
